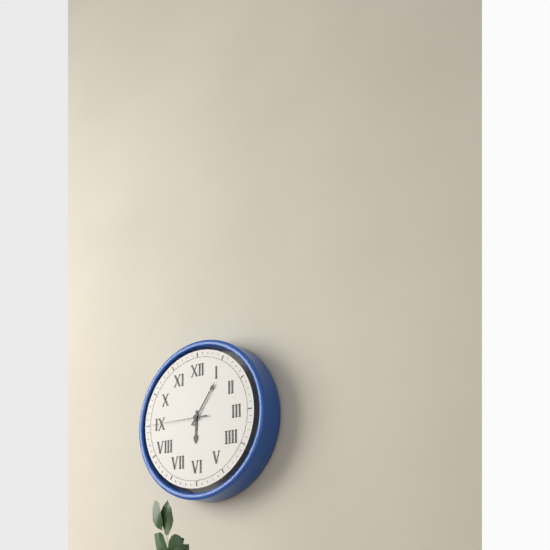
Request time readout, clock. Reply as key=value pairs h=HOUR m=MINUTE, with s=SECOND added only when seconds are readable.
h=6 m=6 s=45
